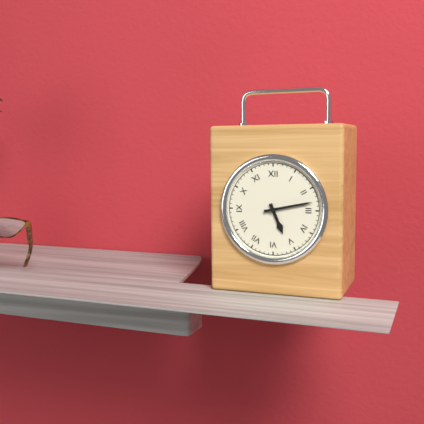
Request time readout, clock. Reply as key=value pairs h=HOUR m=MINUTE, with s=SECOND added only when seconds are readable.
h=5 m=13
